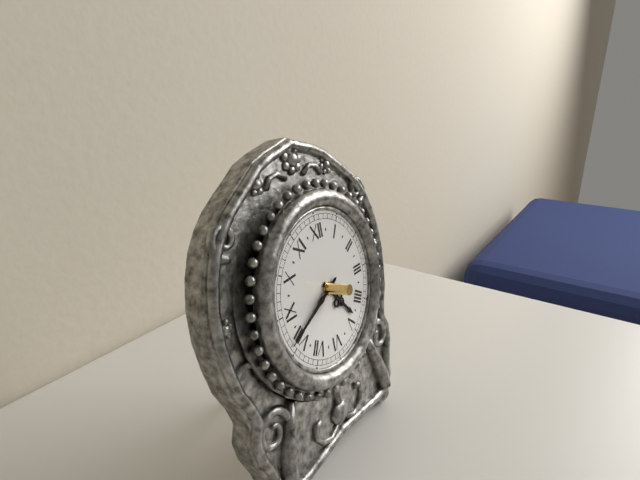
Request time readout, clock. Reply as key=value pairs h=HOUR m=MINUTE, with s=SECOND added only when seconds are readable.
h=4 m=41
